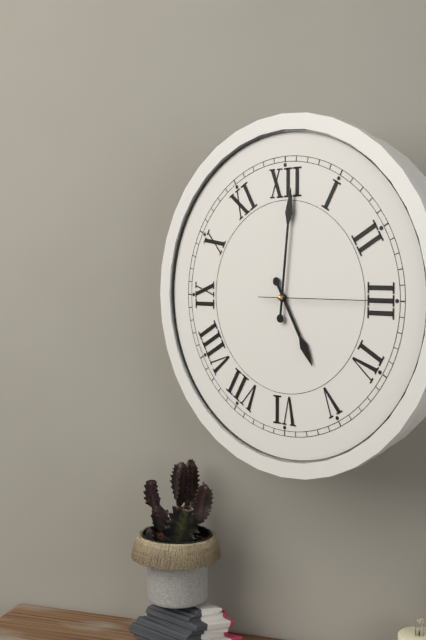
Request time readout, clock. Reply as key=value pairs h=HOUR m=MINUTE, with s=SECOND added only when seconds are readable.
h=5 m=1 s=15
